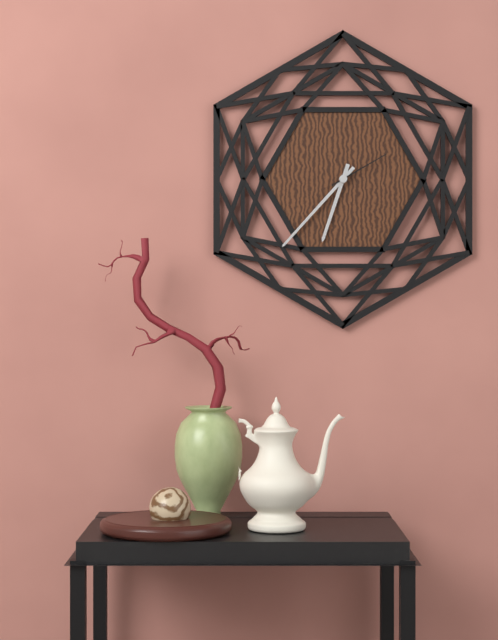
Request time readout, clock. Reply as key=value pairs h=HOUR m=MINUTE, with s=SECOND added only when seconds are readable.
h=6 m=37 s=10
